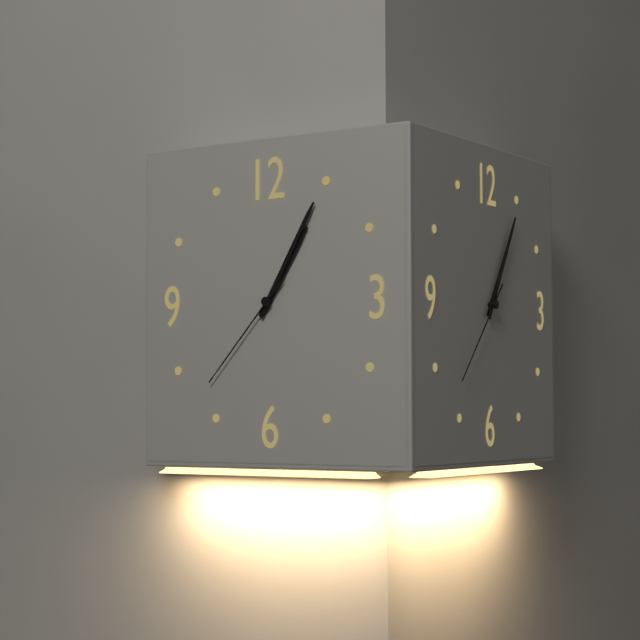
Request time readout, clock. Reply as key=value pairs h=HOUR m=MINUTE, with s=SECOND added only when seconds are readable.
h=1 m=5 s=37
